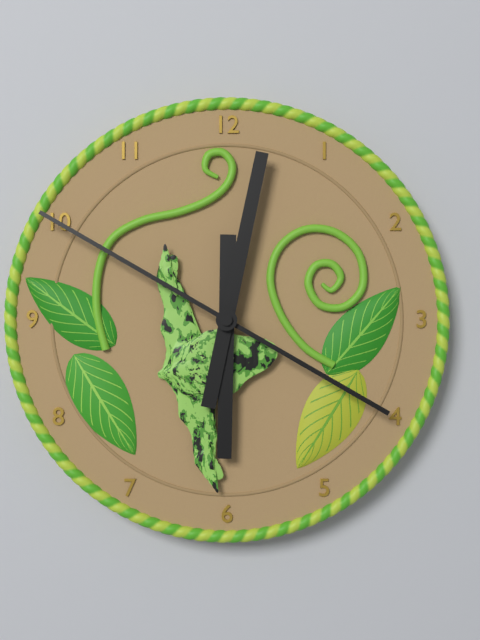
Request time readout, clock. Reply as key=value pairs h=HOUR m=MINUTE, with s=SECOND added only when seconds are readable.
h=6 m=2 s=50
